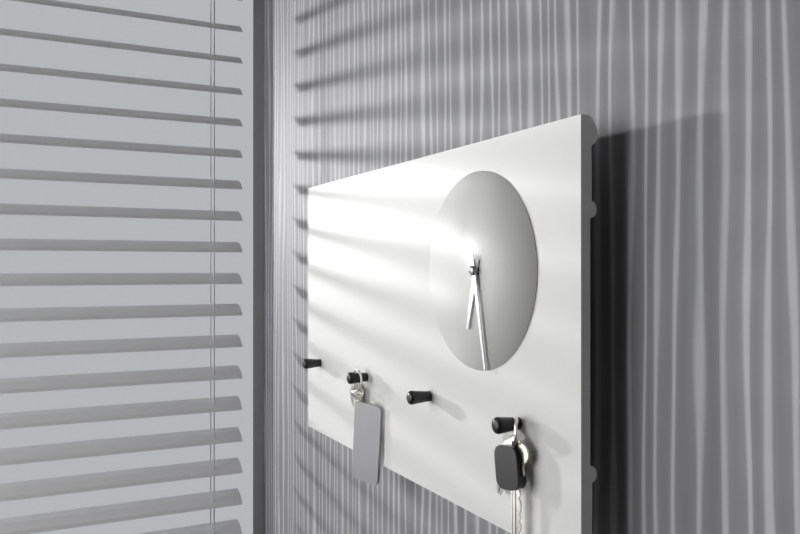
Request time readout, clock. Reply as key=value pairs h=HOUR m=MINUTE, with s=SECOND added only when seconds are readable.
h=6 m=28
